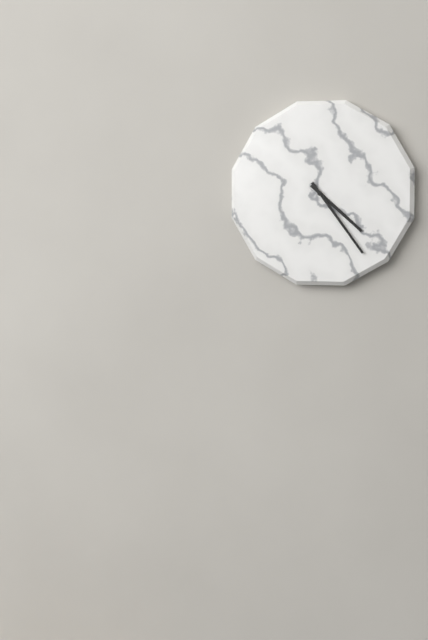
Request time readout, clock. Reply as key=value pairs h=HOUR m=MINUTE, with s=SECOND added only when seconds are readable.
h=4 m=24
